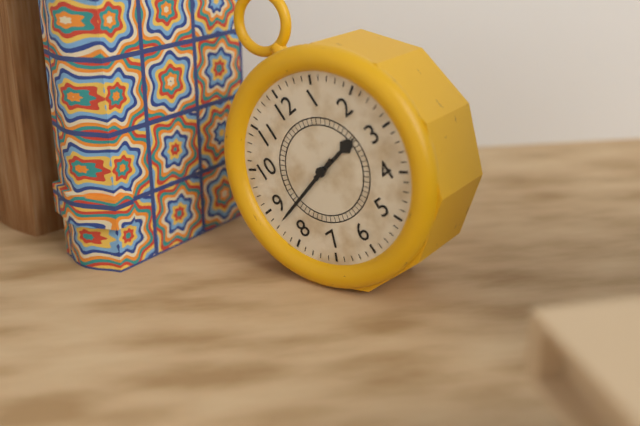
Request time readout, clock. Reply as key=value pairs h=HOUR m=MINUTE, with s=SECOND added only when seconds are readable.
h=2 m=43
